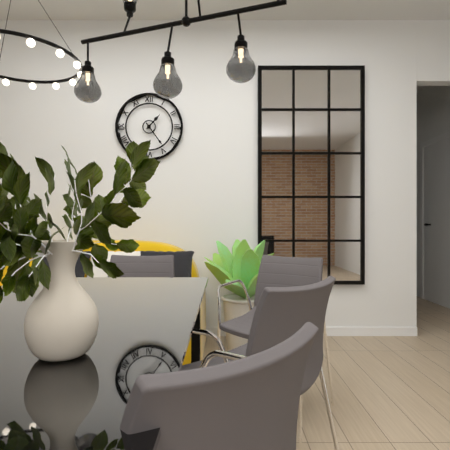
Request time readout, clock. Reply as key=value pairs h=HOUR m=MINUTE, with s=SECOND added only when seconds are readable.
h=1 m=24
